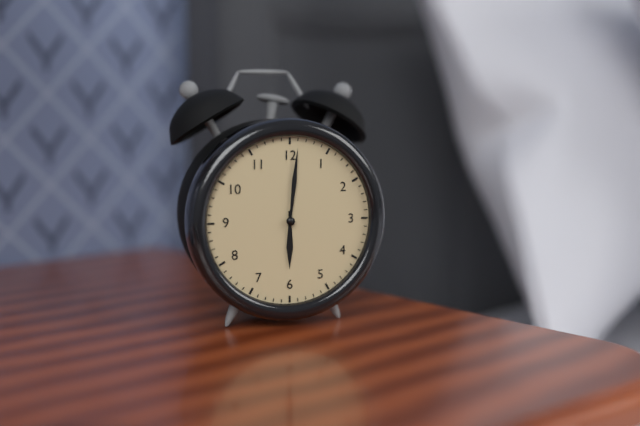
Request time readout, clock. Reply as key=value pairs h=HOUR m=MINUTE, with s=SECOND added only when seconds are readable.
h=6 m=1
